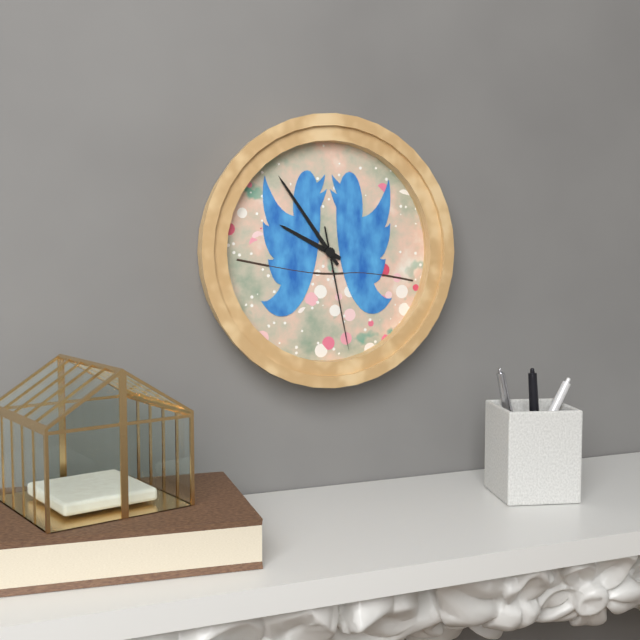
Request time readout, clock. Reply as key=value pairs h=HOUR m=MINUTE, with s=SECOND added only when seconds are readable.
h=9 m=54 s=28
